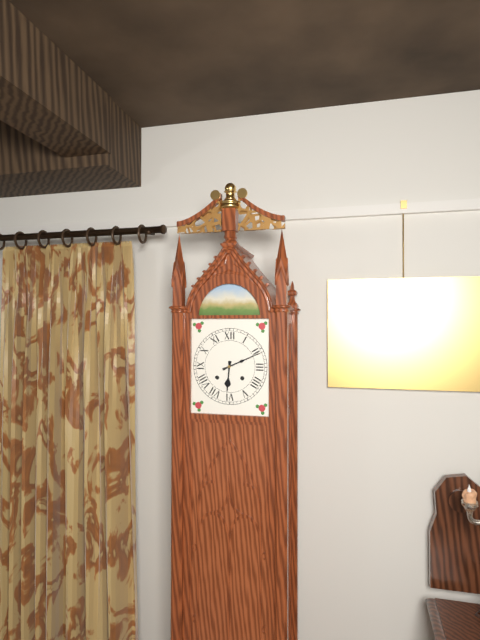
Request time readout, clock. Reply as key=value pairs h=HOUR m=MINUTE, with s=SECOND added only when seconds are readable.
h=6 m=11
